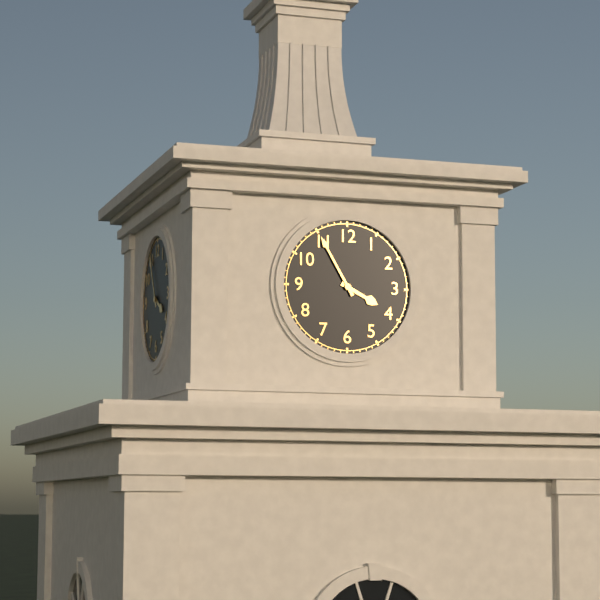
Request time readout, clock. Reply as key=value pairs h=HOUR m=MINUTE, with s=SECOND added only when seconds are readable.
h=3 m=55
